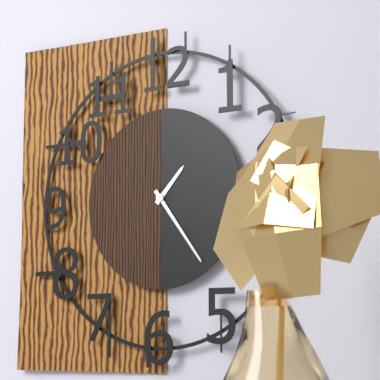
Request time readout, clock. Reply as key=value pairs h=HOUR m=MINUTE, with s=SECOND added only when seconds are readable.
h=1 m=24
